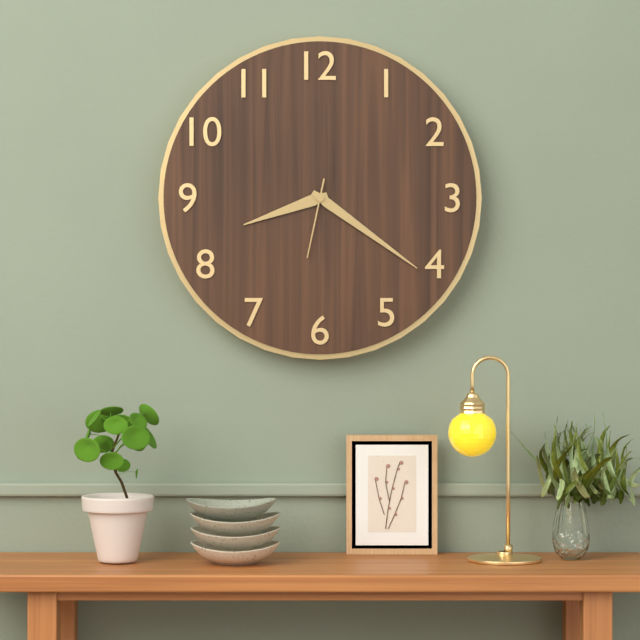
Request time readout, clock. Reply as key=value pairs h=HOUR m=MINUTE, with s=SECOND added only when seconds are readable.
h=8 m=21 s=32
